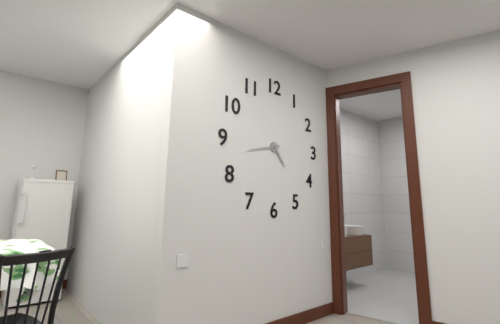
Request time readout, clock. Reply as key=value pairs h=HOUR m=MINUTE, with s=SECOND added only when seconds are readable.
h=4 m=43
